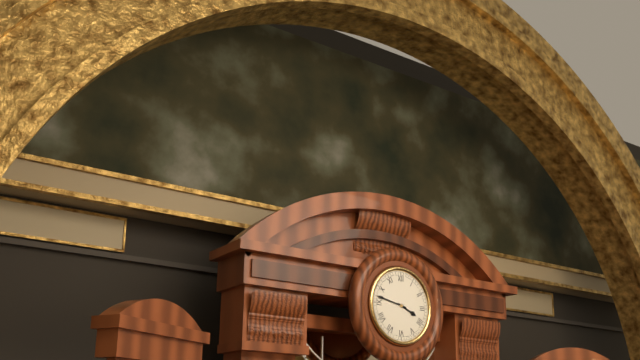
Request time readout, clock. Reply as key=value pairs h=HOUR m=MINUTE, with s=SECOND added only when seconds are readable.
h=3 m=47
